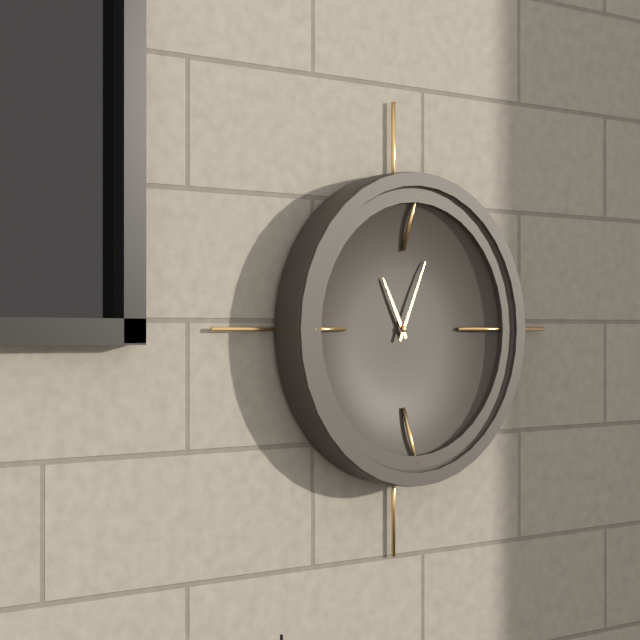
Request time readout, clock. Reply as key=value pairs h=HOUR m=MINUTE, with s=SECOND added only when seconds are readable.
h=11 m=4
